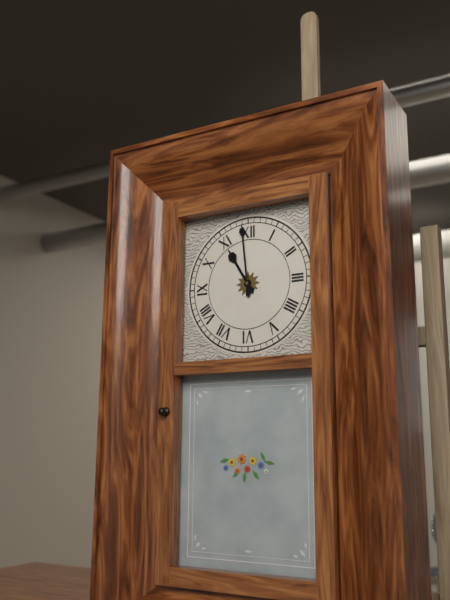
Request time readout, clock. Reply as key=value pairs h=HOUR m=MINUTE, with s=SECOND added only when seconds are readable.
h=10 m=59
